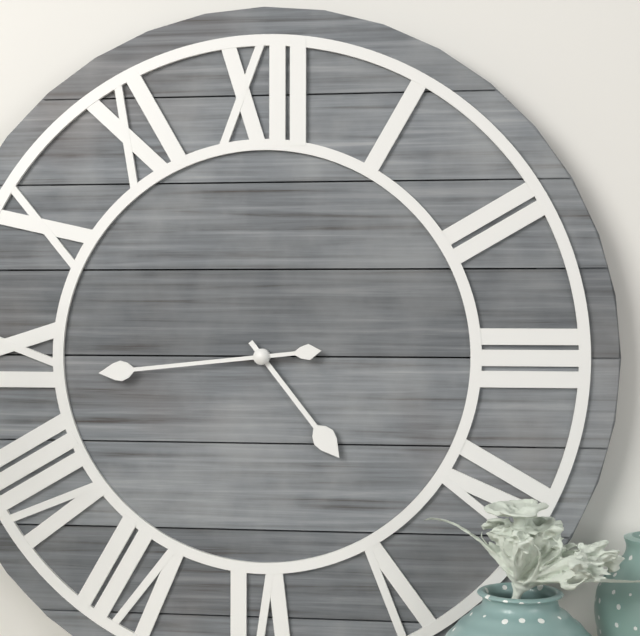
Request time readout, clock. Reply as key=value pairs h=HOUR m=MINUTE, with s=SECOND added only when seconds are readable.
h=4 m=44
